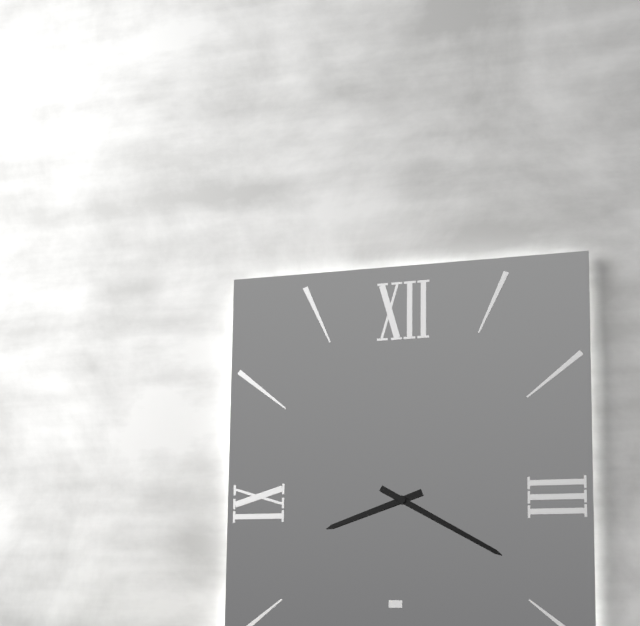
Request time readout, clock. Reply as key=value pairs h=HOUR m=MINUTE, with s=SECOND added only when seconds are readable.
h=8 m=20
